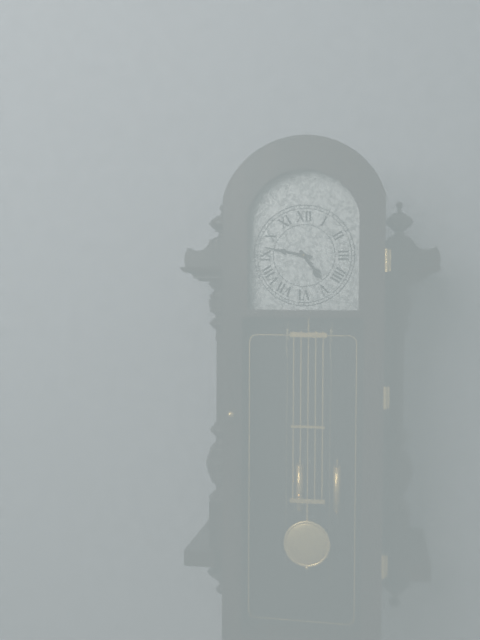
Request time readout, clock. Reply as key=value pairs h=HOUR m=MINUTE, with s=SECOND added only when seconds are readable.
h=4 m=47
